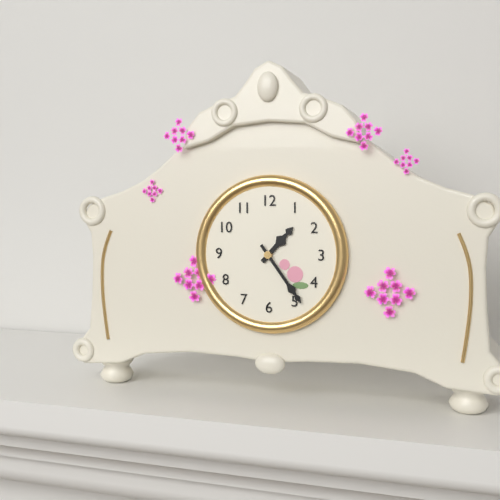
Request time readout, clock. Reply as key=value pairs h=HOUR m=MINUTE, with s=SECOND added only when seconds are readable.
h=1 m=24
